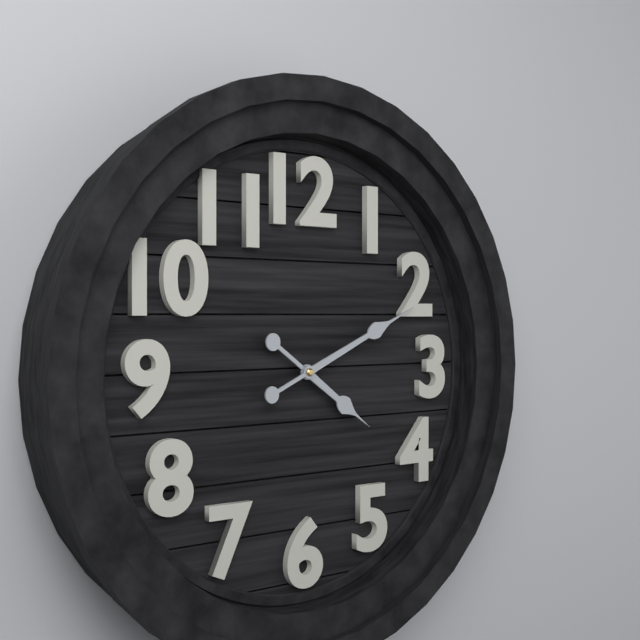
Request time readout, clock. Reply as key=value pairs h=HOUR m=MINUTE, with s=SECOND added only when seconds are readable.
h=4 m=11
